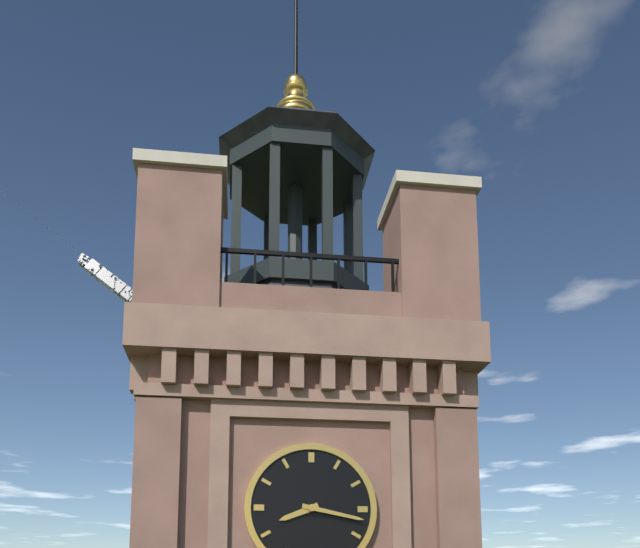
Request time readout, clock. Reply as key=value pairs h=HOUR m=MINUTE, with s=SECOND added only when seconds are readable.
h=8 m=17
